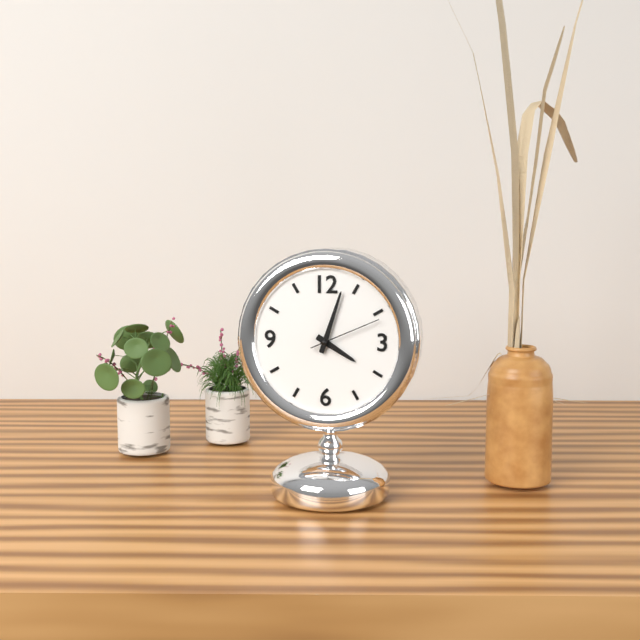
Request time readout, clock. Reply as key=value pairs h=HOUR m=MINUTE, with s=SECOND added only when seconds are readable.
h=4 m=3 s=11
